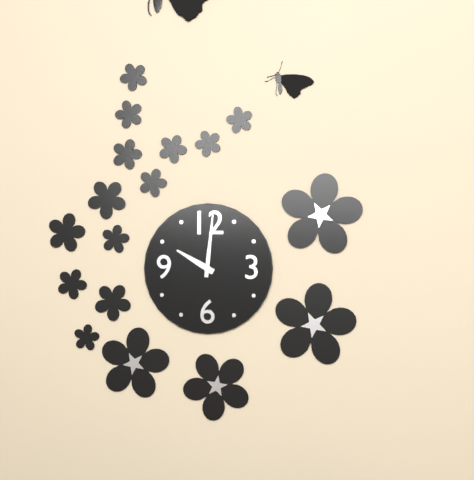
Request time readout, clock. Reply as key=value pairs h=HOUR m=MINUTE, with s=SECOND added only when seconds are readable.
h=10 m=1
